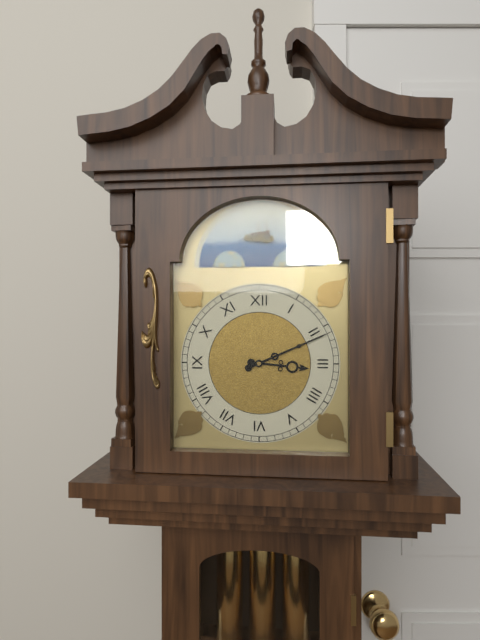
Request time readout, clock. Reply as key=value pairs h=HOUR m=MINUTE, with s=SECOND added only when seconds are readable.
h=3 m=11
